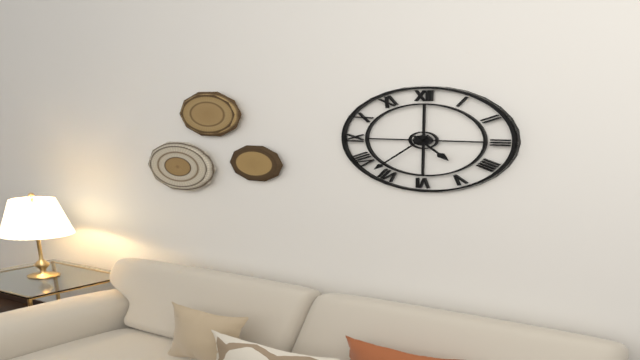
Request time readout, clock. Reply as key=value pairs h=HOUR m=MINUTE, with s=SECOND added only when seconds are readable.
h=4 m=37
